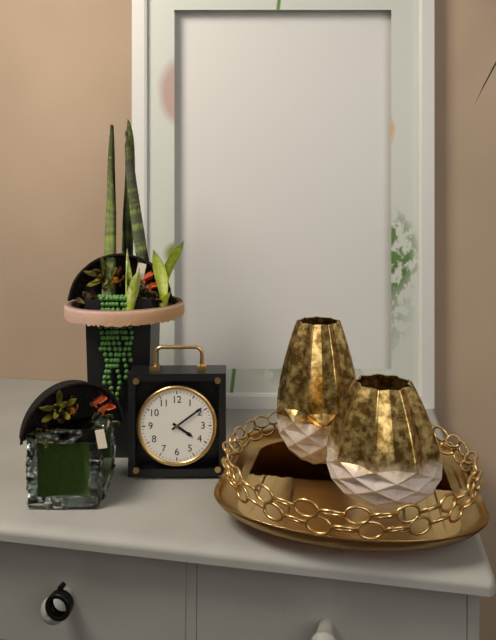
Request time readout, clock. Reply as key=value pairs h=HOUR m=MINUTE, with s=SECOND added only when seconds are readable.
h=4 m=9
